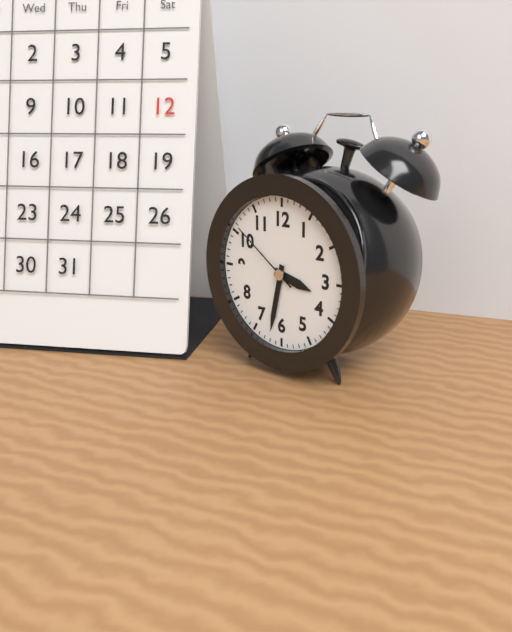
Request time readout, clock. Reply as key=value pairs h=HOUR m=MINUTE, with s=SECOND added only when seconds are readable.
h=3 m=32 s=51
